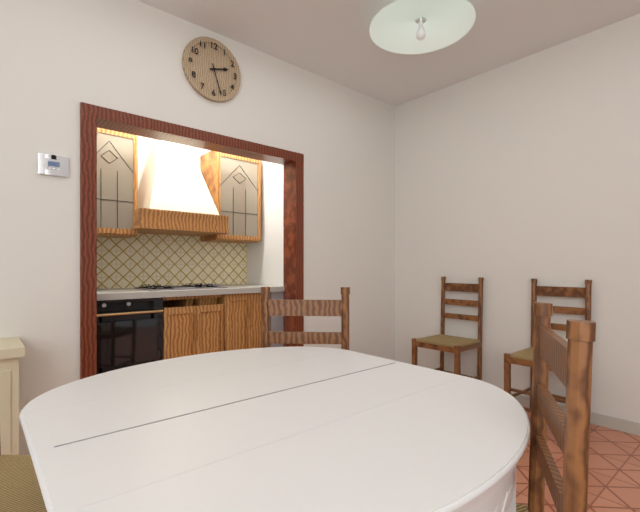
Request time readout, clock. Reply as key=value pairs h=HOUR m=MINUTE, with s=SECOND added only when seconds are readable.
h=2 m=27
